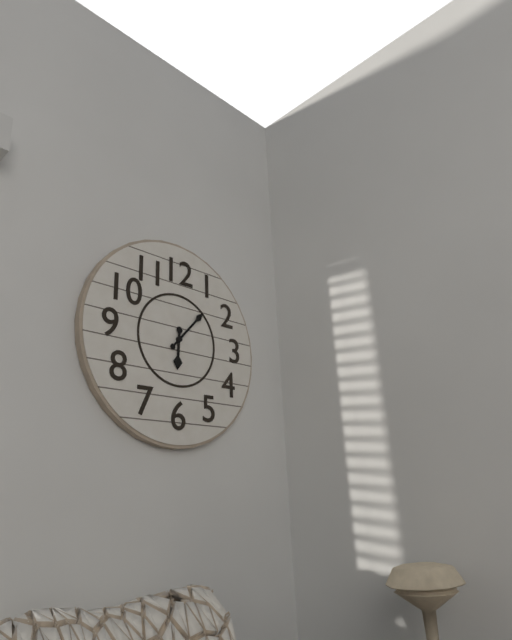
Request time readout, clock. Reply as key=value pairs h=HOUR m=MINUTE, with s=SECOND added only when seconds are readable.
h=6 m=7
